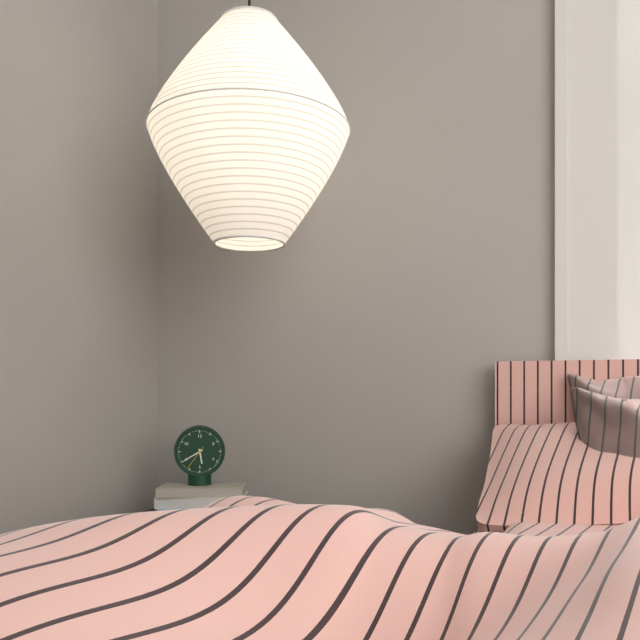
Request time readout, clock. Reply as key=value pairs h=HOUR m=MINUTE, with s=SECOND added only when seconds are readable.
h=5 m=40
